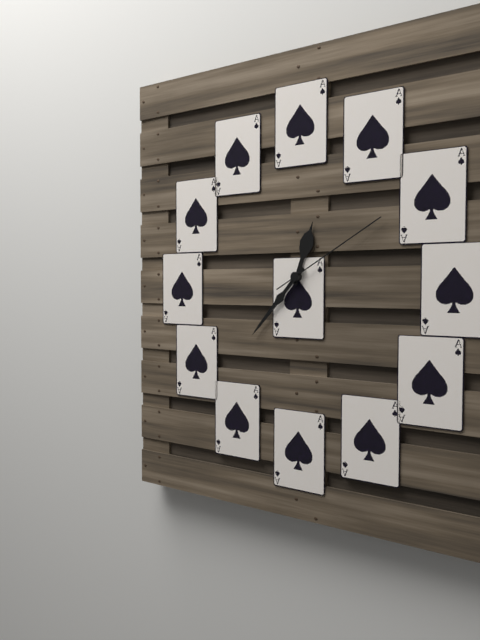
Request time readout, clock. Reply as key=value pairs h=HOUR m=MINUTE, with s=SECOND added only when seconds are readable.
h=12 m=37 s=10
